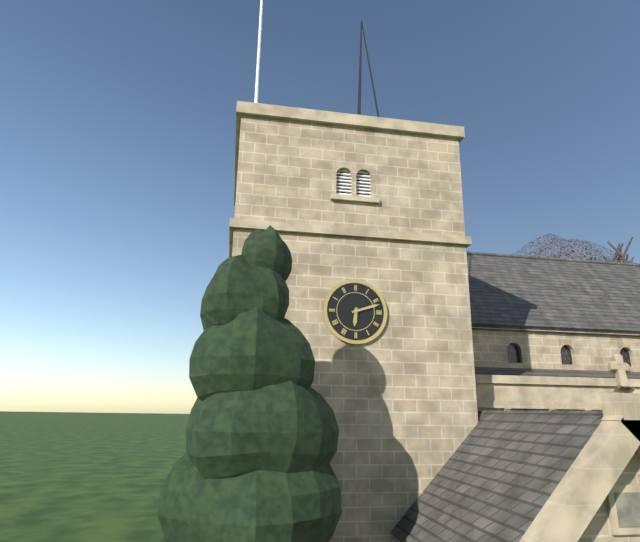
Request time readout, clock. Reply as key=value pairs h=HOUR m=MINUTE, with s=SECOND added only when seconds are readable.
h=6 m=12
